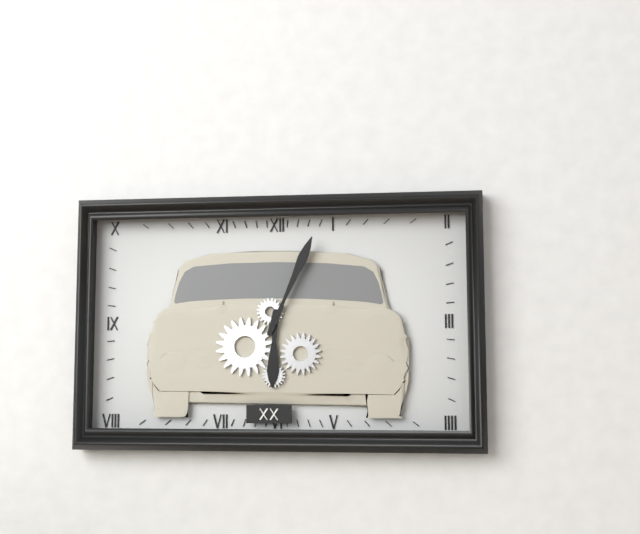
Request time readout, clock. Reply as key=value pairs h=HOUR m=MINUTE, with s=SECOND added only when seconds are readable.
h=6 m=4
